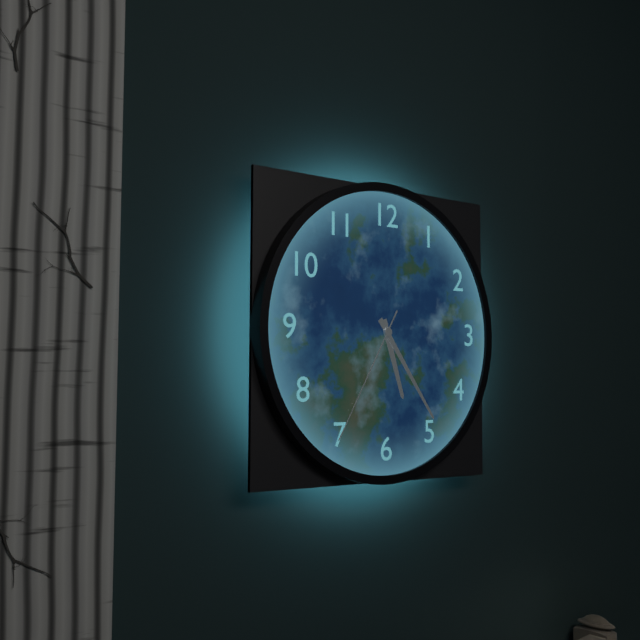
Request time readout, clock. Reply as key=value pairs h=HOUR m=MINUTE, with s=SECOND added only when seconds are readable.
h=5 m=24 s=35
